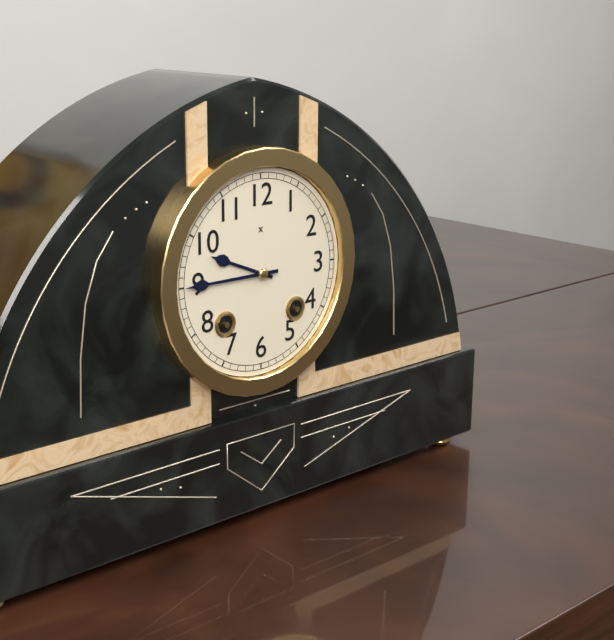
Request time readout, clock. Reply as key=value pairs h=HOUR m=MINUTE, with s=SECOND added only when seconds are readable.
h=9 m=45
